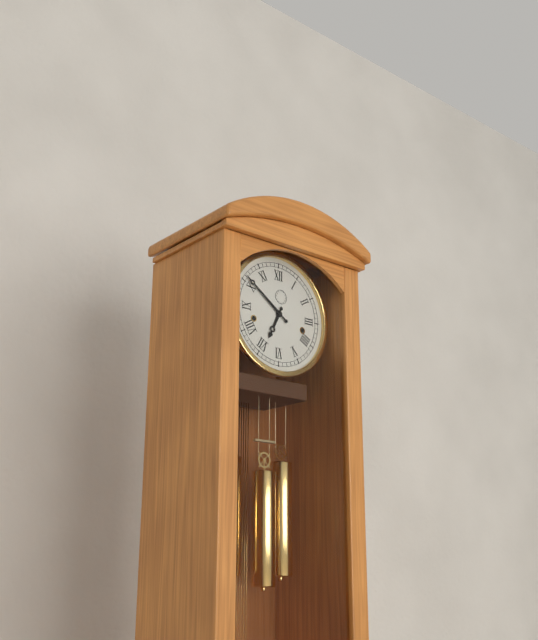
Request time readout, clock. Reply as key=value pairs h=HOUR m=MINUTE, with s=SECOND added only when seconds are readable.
h=6 m=51
